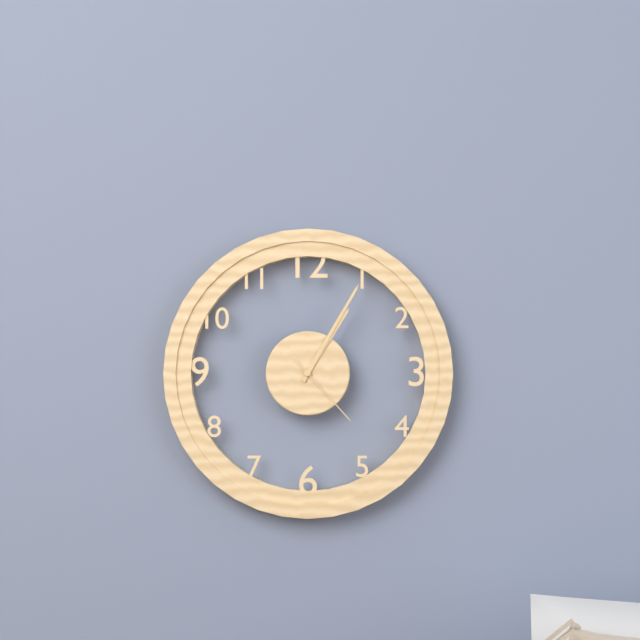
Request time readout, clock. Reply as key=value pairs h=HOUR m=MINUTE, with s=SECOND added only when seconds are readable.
h=1 m=5 s=23
